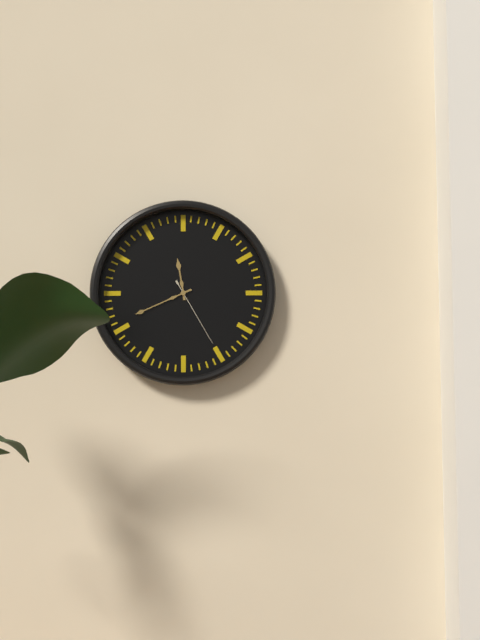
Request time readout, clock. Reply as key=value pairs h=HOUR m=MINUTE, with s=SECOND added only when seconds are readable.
h=11 m=41 s=25
